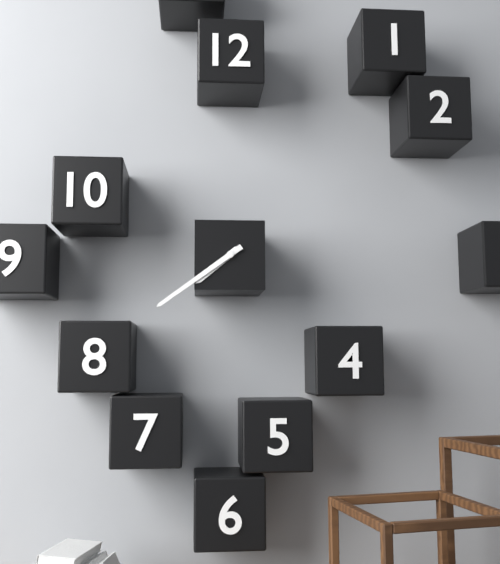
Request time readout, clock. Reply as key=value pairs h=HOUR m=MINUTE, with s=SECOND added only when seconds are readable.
h=7 m=39
